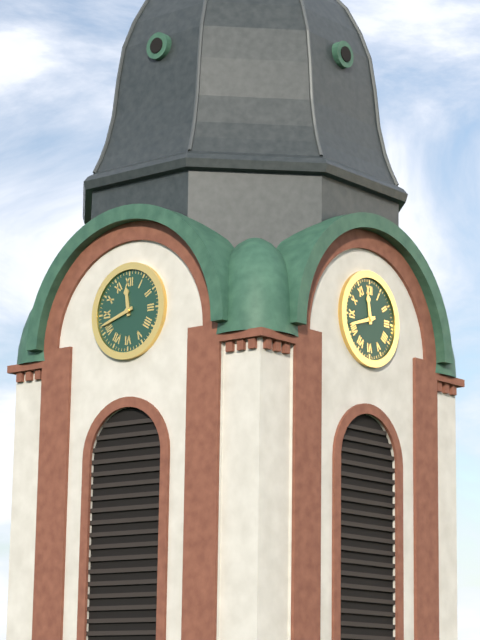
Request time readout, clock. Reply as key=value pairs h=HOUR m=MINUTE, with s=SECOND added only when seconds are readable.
h=11 m=42
